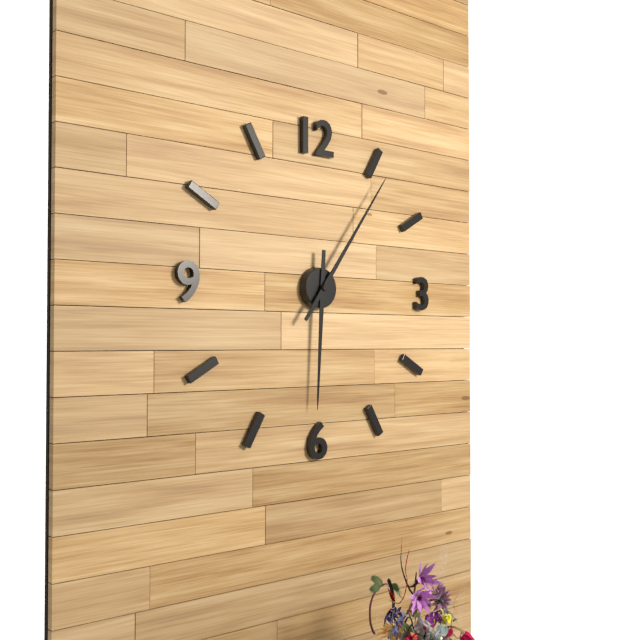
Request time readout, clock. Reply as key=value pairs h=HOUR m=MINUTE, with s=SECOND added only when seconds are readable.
h=6 m=6
